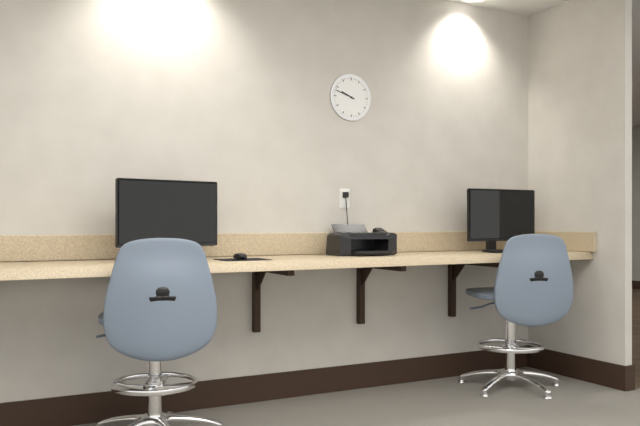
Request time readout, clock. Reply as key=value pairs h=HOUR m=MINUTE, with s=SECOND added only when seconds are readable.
h=9 m=48
